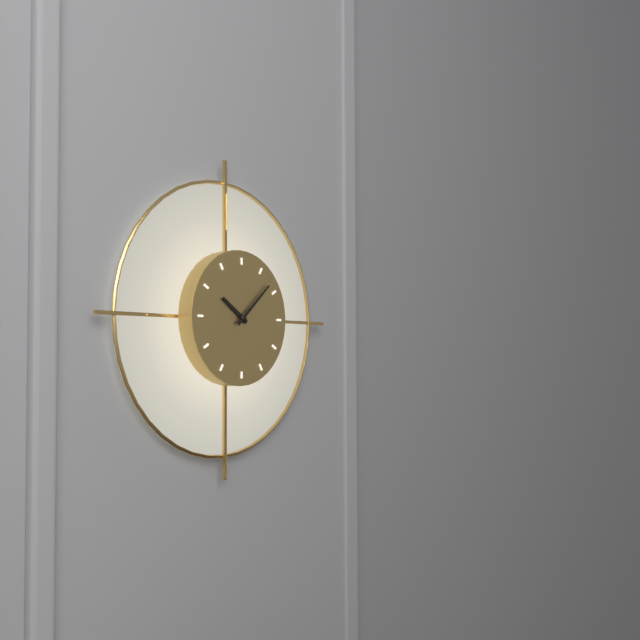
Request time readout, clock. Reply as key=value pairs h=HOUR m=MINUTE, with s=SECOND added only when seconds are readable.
h=10 m=8
